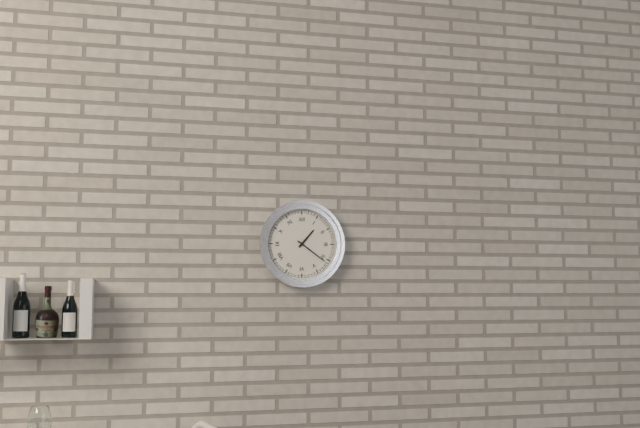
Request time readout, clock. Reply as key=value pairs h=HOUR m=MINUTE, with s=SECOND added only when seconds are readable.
h=1 m=21
